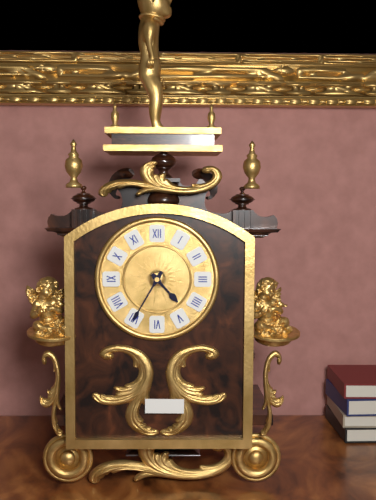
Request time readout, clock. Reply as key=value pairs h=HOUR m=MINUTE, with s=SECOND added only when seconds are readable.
h=4 m=35
